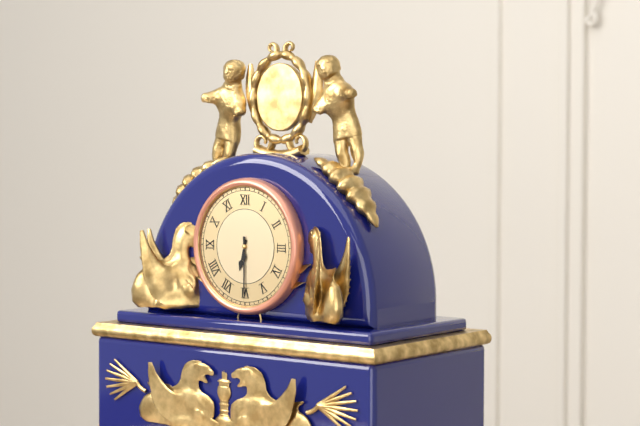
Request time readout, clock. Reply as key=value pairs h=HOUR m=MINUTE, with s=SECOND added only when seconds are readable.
h=6 m=30
